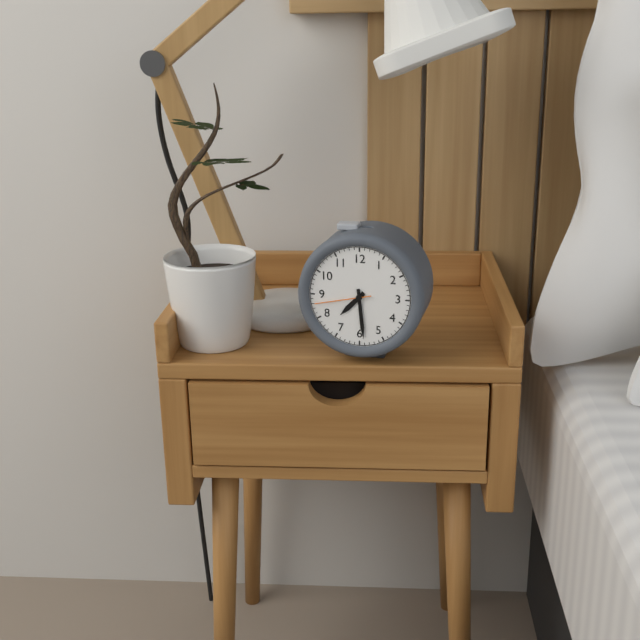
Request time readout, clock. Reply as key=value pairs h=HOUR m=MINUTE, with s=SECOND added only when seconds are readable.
h=7 m=29 s=43
